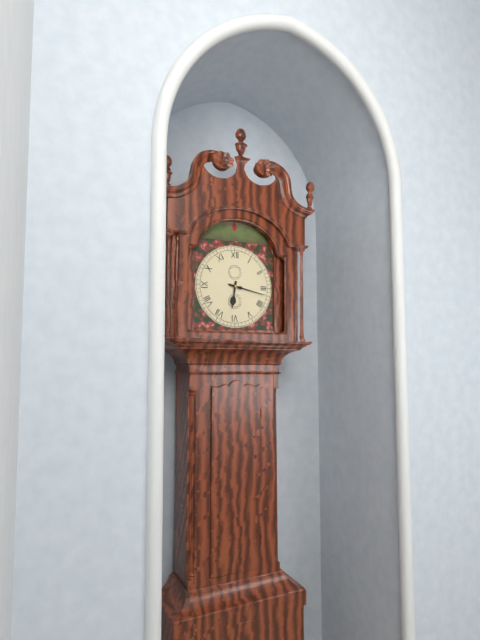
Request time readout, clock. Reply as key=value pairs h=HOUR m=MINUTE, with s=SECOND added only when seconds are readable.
h=6 m=17
